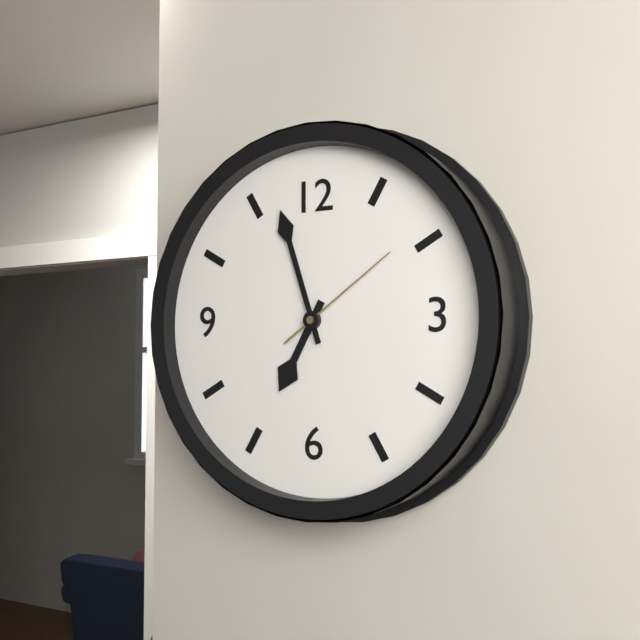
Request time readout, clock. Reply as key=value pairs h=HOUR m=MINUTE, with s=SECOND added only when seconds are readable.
h=6 m=57 s=9
